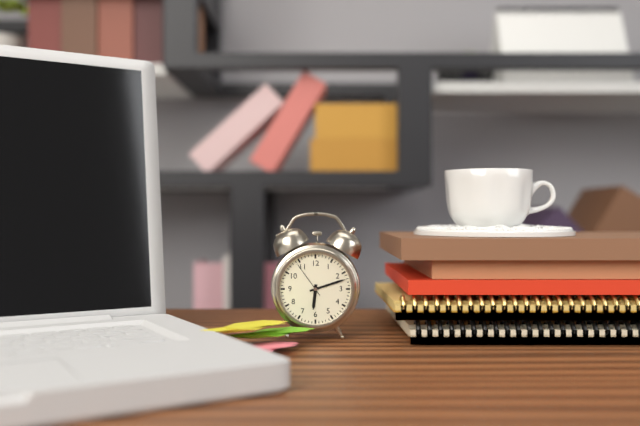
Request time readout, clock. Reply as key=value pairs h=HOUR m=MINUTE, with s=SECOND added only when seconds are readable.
h=6 m=12
